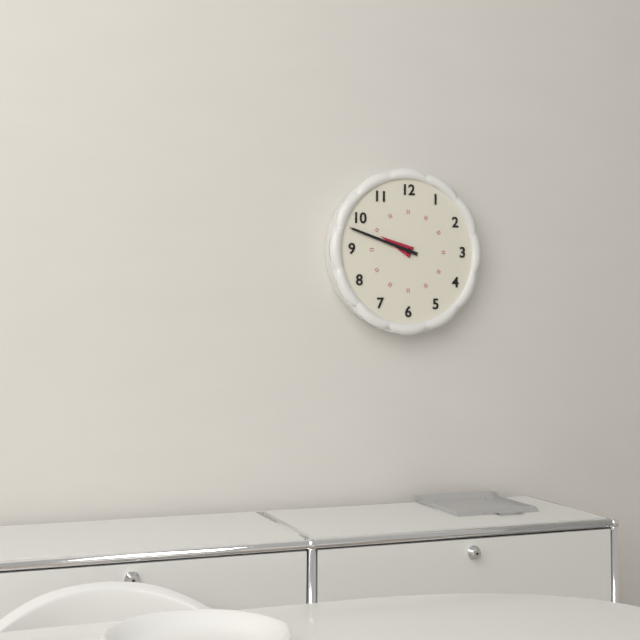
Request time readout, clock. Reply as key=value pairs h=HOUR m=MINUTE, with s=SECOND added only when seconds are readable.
h=9 m=48
